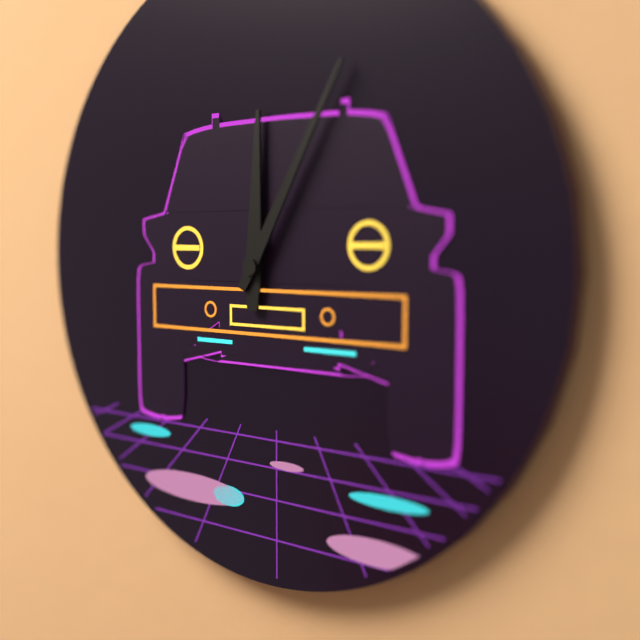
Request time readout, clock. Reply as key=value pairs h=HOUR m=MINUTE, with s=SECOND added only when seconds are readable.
h=12 m=5
